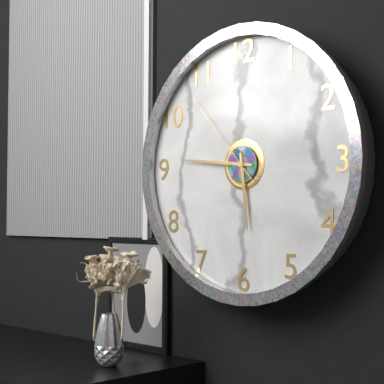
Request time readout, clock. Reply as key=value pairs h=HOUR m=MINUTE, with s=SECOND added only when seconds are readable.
h=5 m=46 s=53
